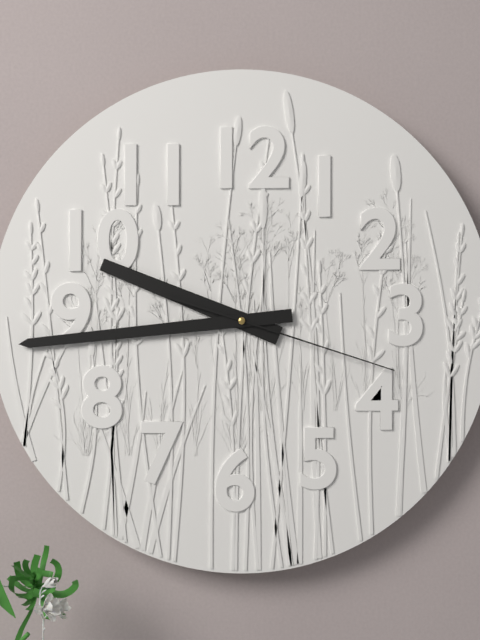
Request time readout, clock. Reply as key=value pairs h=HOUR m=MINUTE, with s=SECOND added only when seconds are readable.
h=9 m=44 s=18
